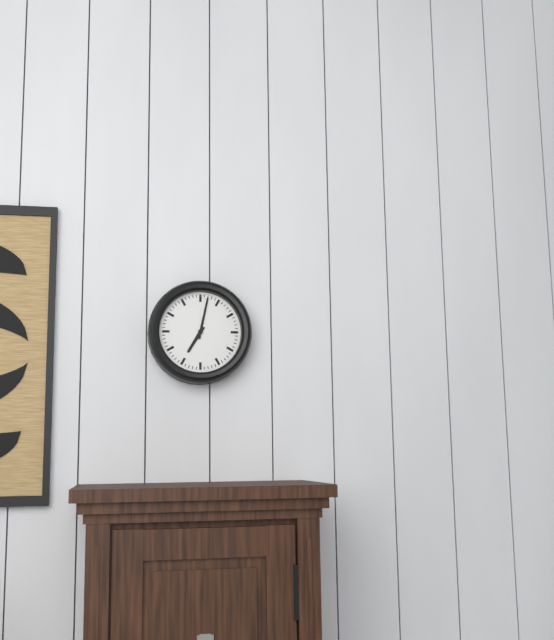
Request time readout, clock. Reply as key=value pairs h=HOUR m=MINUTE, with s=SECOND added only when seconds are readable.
h=7 m=2
